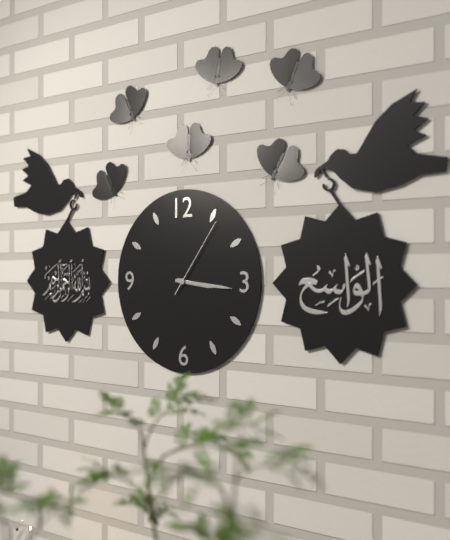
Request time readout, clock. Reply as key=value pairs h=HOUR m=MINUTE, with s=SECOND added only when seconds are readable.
h=3 m=16 s=6
